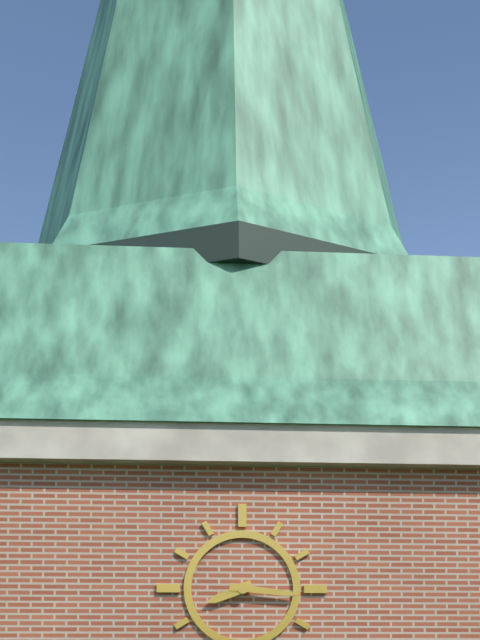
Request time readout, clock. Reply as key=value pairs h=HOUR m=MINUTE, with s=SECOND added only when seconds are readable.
h=8 m=16
